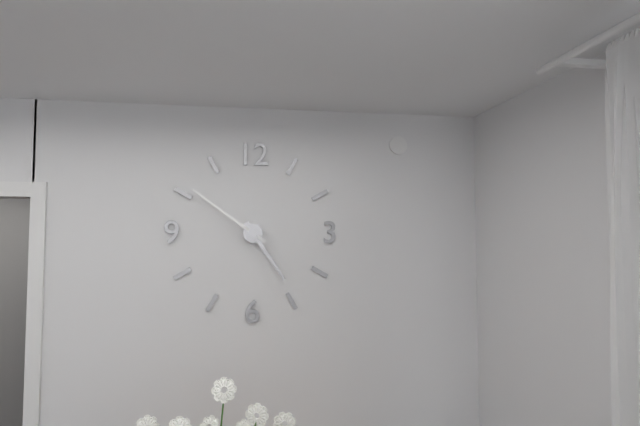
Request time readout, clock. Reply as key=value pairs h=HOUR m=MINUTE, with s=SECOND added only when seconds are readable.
h=4 m=51
